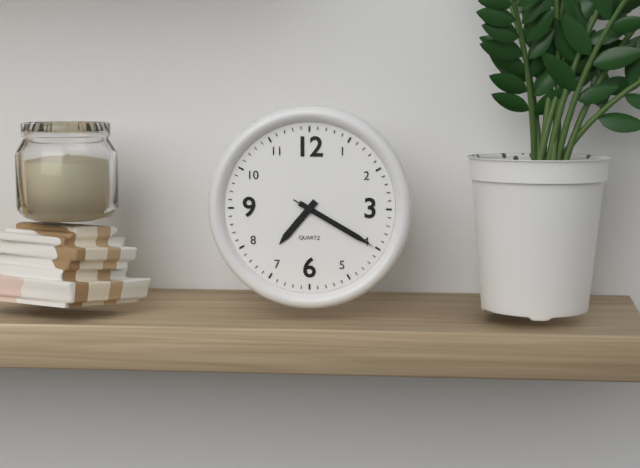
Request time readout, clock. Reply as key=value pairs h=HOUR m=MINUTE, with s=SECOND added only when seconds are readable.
h=7 m=20 s=20
